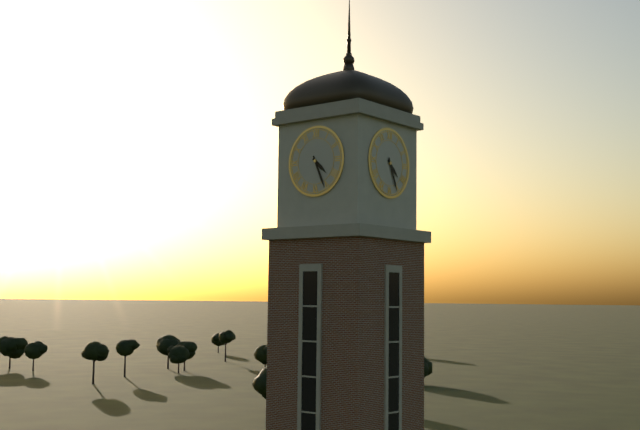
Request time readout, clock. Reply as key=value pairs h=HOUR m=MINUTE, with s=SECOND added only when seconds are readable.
h=4 m=26
